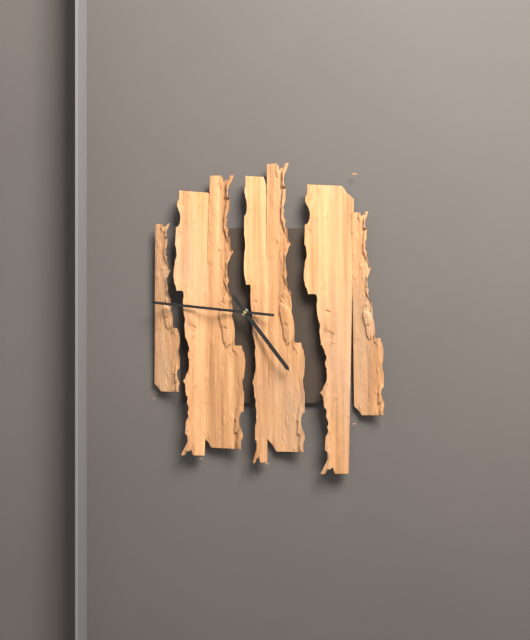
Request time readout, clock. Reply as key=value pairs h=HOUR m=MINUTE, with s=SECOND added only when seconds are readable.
h=4 m=46
